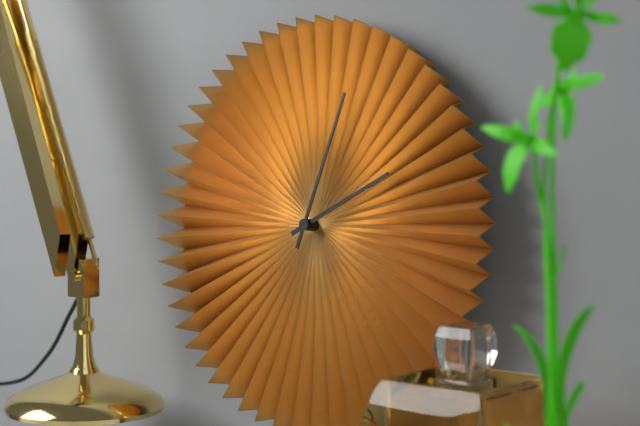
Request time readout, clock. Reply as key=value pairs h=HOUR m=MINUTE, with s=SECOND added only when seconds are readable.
h=2 m=3
